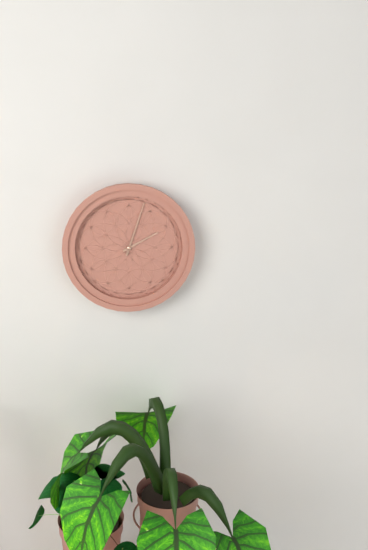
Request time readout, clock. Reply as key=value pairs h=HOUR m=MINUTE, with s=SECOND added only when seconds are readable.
h=2 m=3
